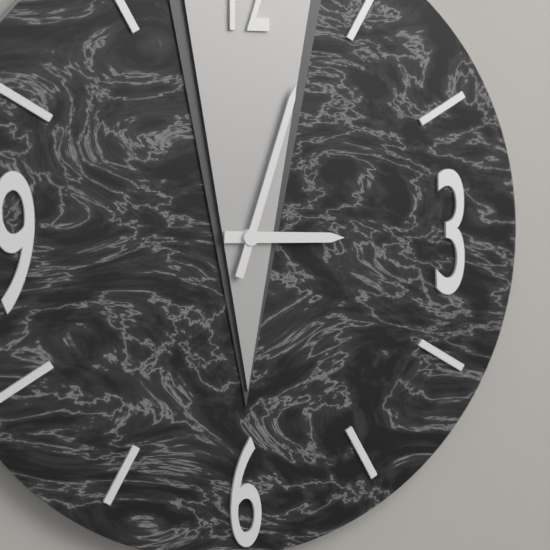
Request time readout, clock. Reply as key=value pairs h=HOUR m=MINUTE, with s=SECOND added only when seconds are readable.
h=3 m=3
